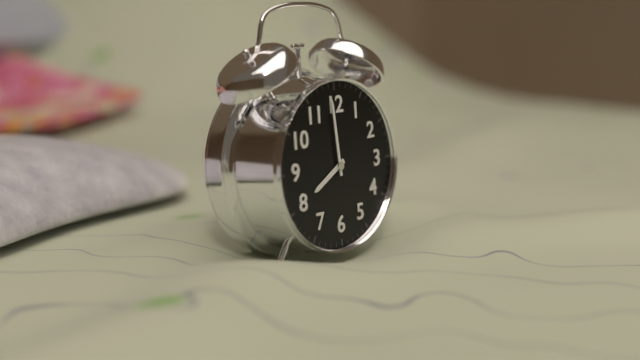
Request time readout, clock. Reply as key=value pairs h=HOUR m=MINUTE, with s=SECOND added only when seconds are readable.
h=7 m=59
